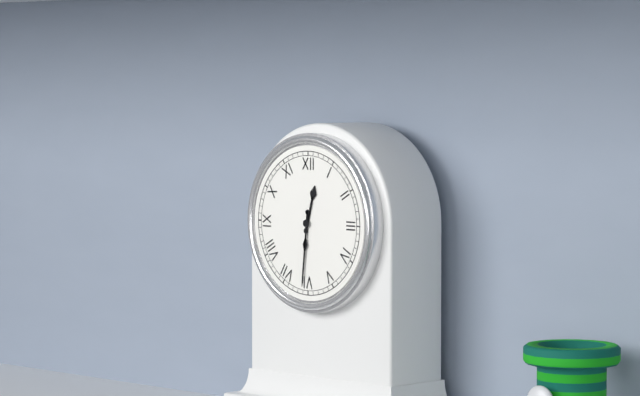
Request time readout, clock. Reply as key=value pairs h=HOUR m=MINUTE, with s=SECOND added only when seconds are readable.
h=12 m=31
